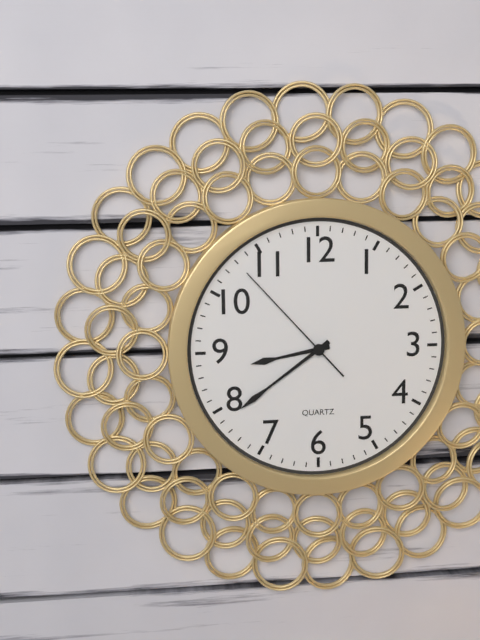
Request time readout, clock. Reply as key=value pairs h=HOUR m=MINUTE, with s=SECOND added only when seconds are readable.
h=8 m=39 s=53
